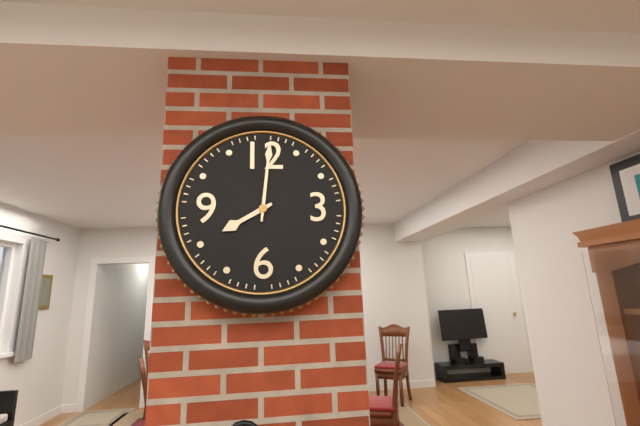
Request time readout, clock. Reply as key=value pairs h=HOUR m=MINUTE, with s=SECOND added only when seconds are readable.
h=8 m=1
